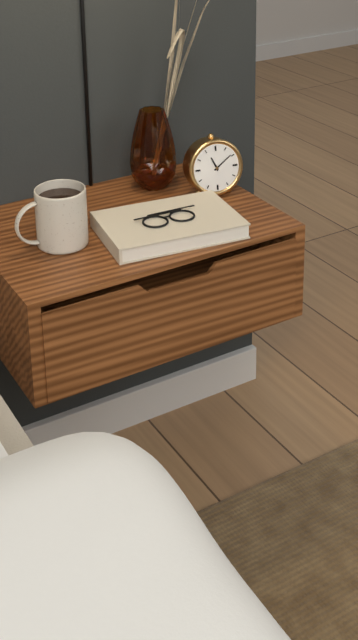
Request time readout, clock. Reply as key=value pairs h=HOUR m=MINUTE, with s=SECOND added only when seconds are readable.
h=11 m=9
